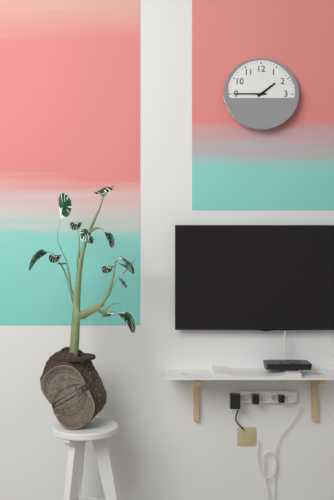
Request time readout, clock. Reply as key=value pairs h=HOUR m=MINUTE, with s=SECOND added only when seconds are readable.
h=1 m=45
